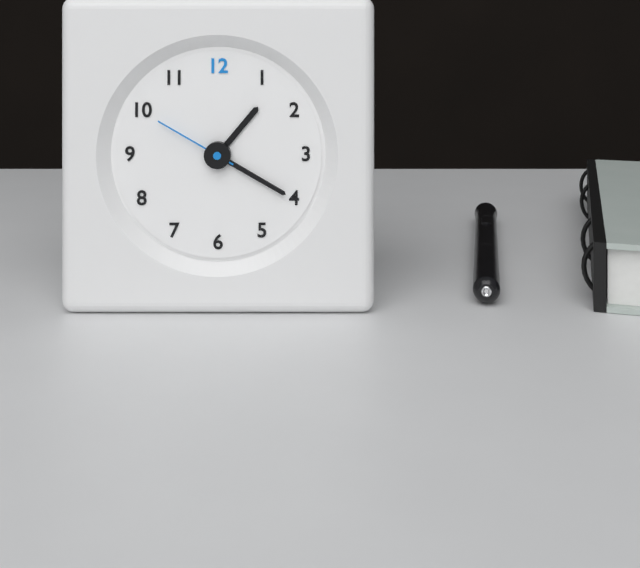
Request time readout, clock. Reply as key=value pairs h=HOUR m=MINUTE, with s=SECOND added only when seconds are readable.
h=1 m=20 s=50
